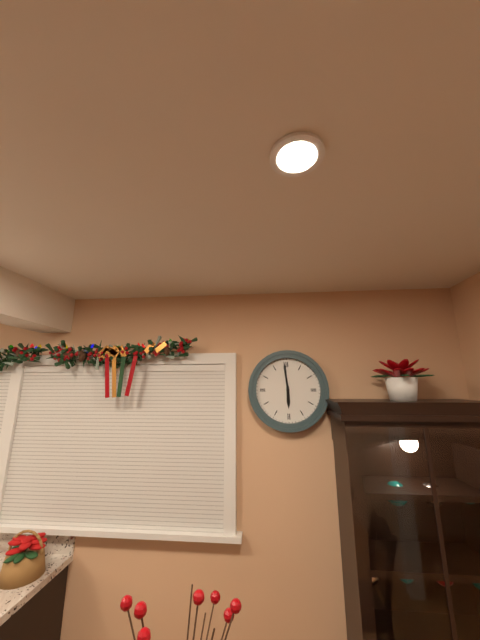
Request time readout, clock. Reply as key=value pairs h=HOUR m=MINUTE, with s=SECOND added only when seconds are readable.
h=5 m=59
